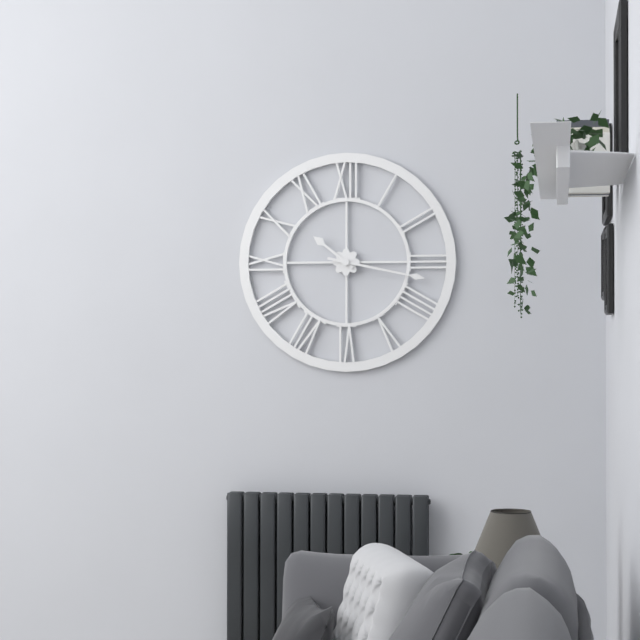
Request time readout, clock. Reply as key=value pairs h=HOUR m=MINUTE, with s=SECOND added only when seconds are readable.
h=10 m=17
